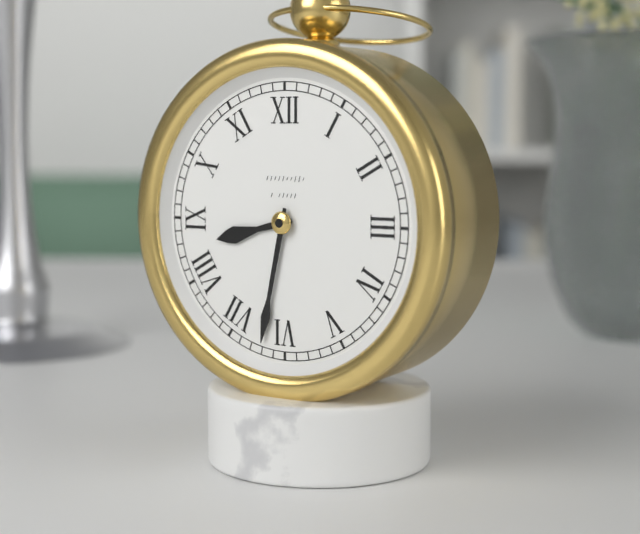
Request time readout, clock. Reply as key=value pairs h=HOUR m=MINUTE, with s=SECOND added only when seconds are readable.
h=8 m=32
